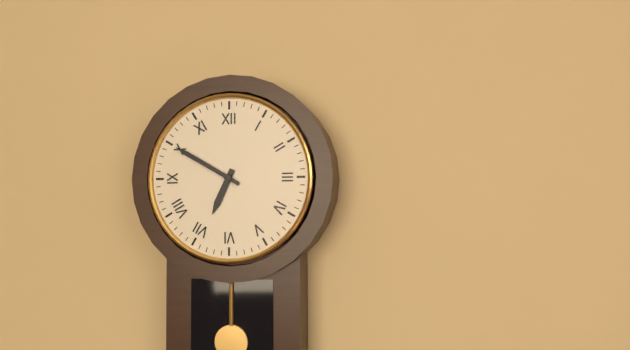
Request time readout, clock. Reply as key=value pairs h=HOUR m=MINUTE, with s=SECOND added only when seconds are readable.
h=6 m=50
